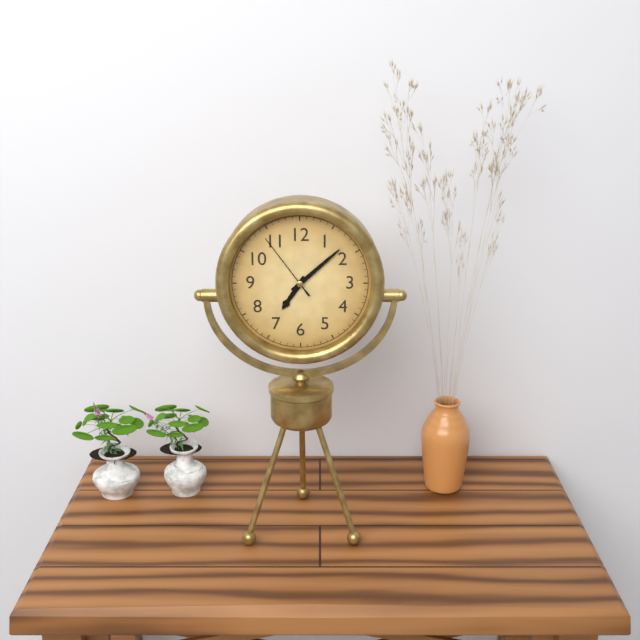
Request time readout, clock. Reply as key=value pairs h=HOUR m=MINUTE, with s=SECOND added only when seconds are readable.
h=7 m=8 s=54
